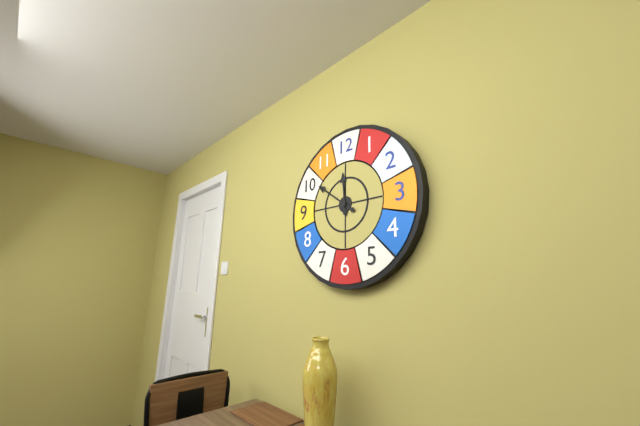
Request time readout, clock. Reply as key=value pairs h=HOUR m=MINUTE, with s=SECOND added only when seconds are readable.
h=11 m=51
